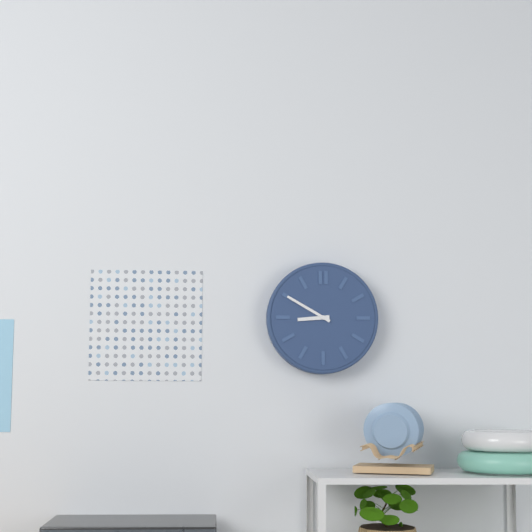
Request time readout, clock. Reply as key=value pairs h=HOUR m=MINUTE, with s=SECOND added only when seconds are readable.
h=8 m=50
